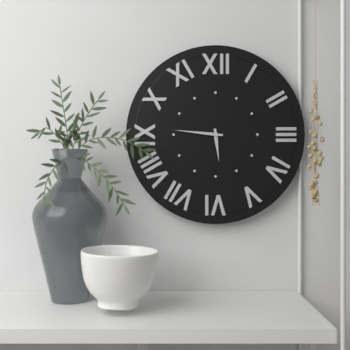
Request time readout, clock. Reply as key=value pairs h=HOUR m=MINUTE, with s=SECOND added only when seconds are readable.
h=5 m=46
